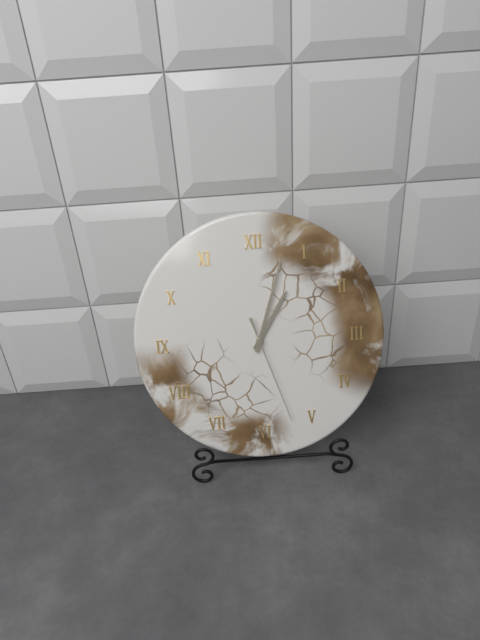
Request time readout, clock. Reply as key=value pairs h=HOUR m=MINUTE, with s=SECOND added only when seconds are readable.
h=1 m=3 s=27
